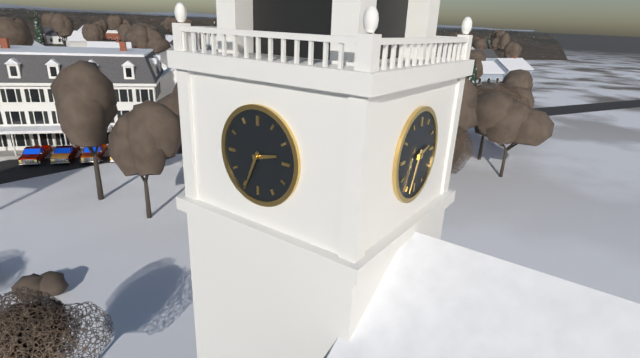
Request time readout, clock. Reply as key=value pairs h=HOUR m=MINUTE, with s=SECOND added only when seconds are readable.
h=2 m=34
